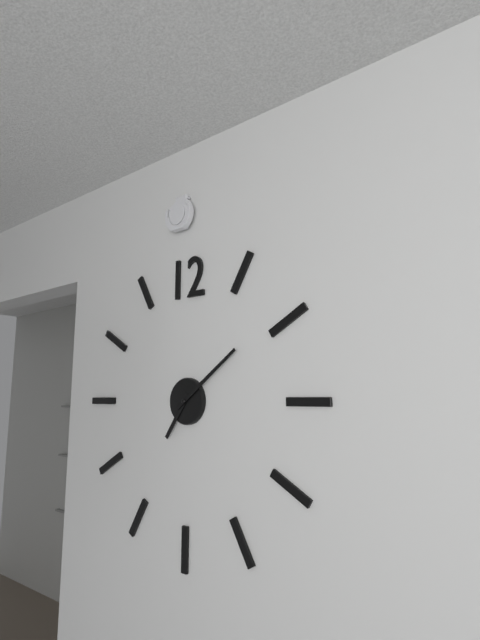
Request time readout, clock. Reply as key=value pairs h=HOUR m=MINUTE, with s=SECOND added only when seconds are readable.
h=7 m=9
